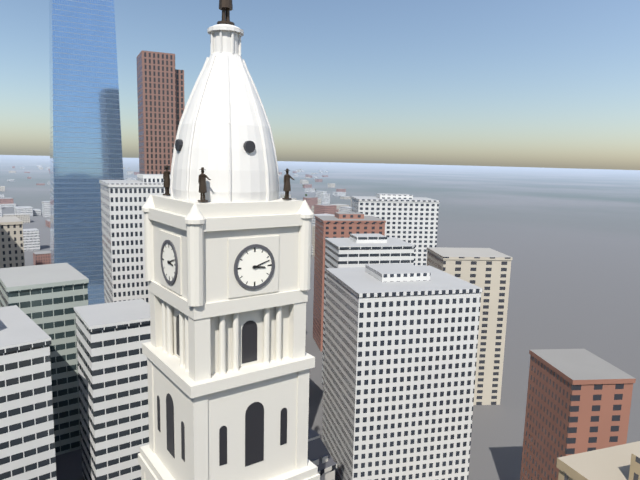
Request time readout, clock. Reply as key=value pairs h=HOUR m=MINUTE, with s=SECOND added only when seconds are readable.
h=3 m=12
